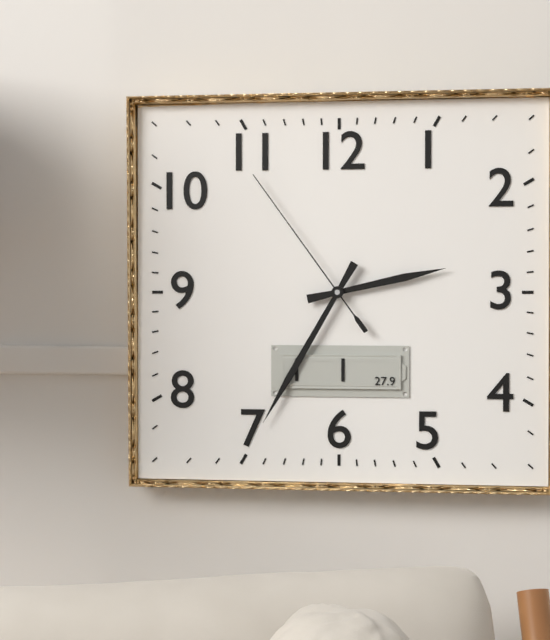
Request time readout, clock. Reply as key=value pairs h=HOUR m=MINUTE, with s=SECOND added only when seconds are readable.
h=2 m=35 s=54
